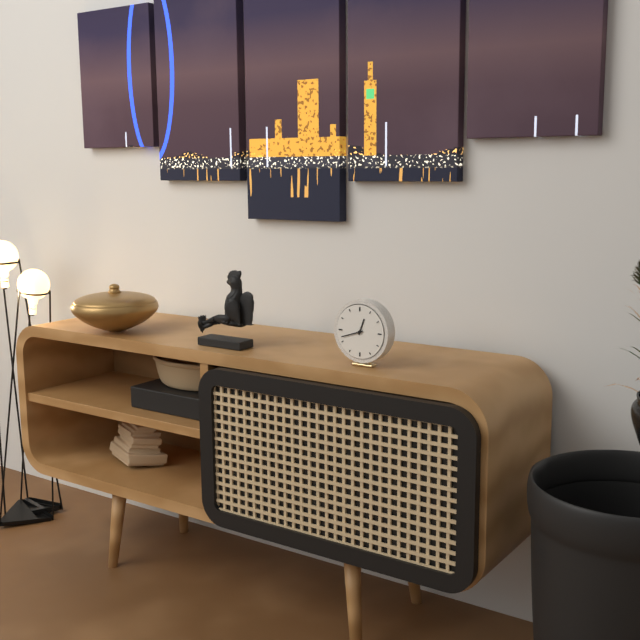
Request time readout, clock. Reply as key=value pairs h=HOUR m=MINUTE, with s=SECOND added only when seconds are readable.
h=12 m=42
